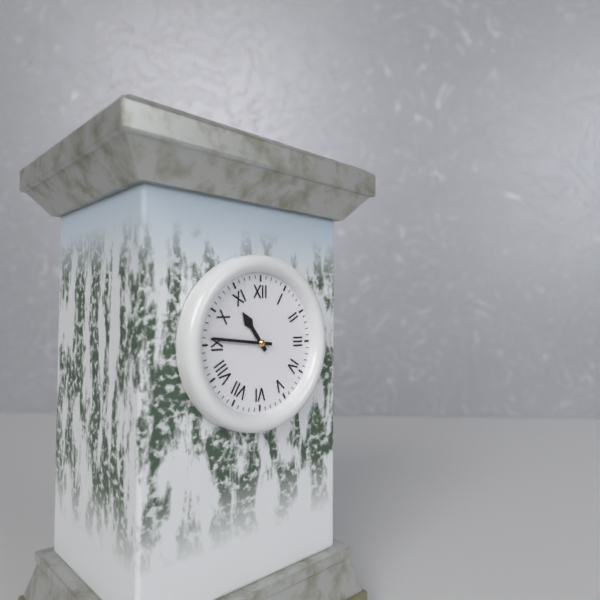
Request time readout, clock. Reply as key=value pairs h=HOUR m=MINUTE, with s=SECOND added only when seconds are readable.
h=10 m=46
